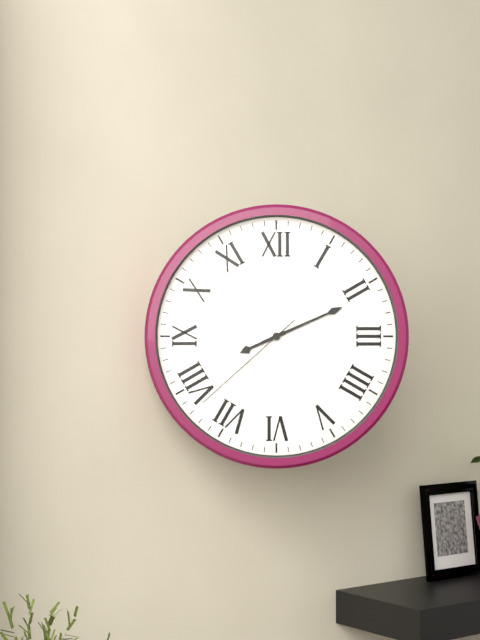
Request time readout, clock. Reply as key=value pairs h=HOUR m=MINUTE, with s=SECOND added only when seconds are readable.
h=8 m=11 s=38
